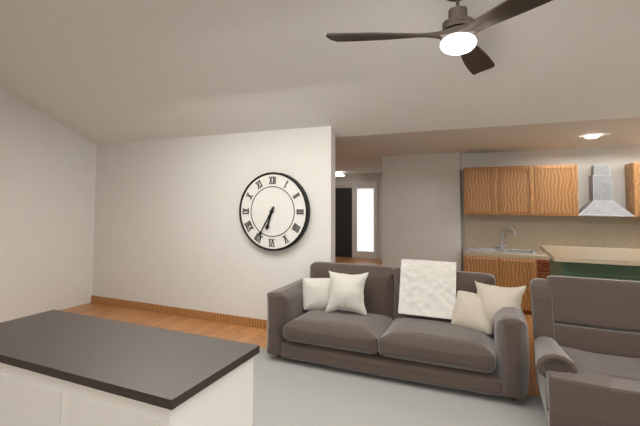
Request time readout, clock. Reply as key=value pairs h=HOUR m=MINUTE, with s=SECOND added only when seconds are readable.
h=6 m=35
